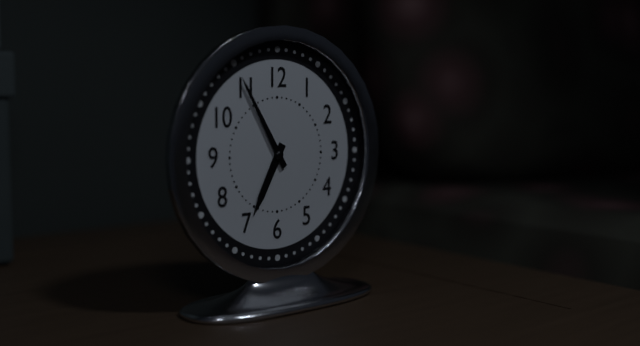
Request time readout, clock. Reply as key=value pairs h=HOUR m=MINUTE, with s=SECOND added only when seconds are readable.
h=6 m=55
